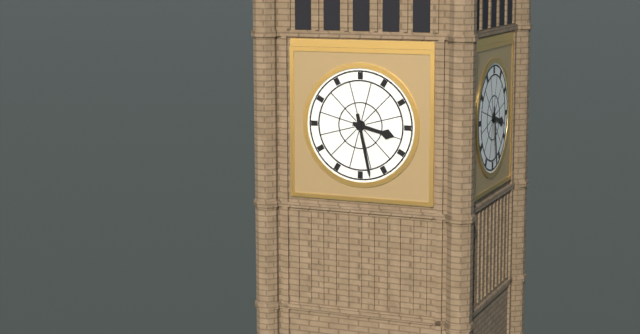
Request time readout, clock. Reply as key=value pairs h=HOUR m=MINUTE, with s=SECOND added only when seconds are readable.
h=3 m=28
